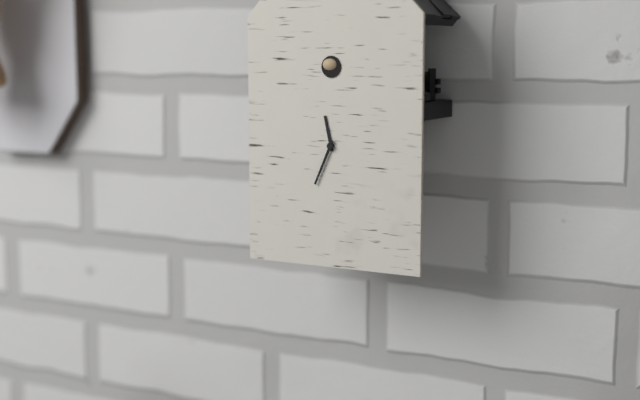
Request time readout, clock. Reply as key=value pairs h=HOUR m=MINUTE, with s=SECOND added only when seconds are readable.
h=11 m=34
